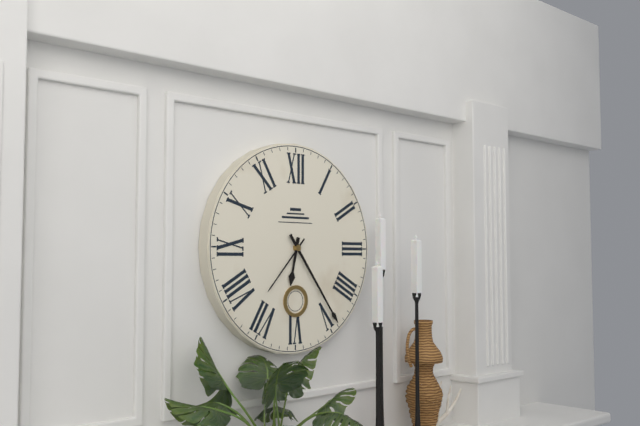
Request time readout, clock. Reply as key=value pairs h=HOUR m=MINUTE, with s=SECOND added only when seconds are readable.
h=6 m=24 s=37
